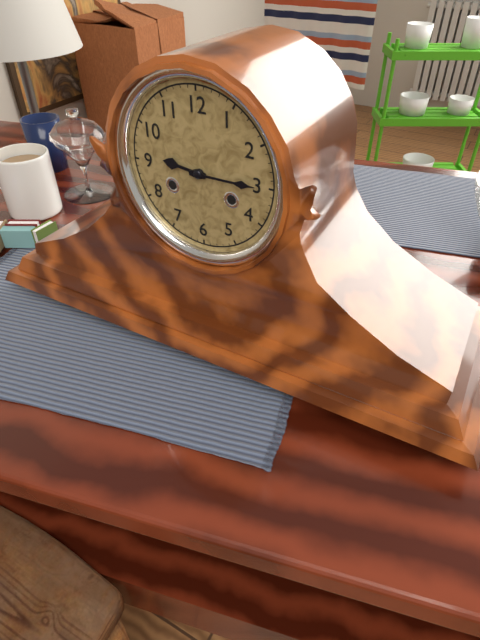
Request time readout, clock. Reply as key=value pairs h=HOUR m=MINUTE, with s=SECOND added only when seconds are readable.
h=9 m=15
